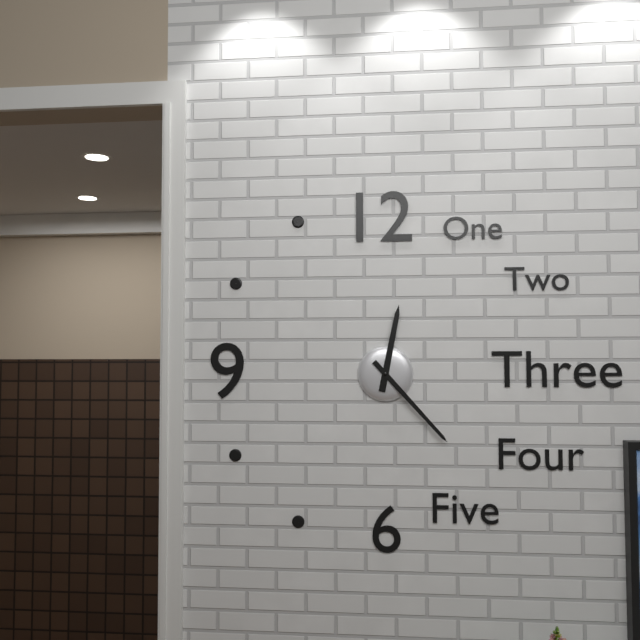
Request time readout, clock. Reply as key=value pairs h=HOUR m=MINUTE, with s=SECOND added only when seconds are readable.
h=12 m=23
